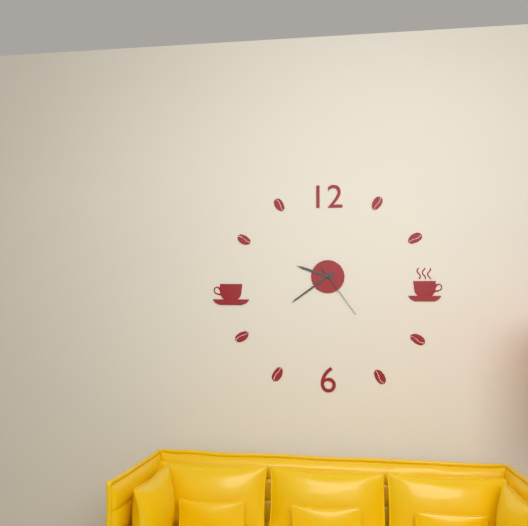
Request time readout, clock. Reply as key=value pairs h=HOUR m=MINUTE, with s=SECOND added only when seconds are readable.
h=9 m=39 s=24
